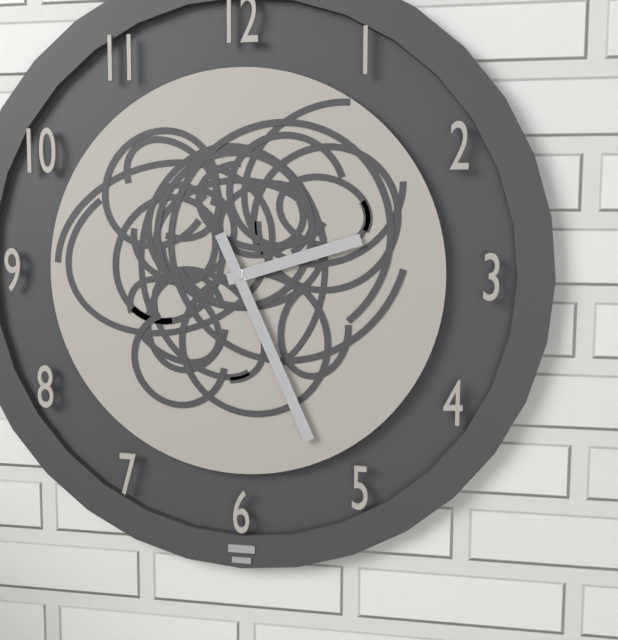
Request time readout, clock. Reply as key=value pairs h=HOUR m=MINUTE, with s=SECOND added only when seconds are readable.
h=2 m=26
